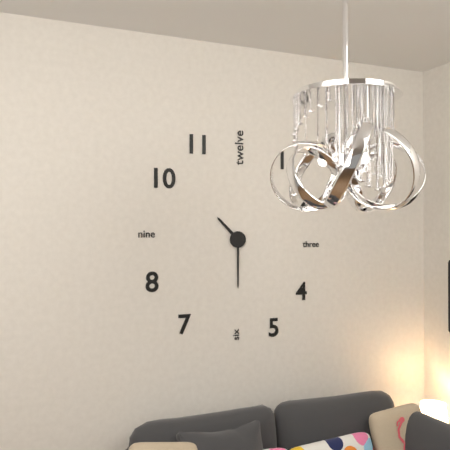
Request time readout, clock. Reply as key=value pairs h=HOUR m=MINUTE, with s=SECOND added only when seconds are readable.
h=10 m=30
